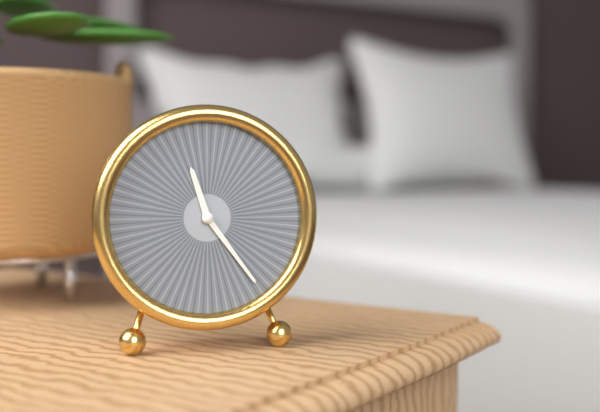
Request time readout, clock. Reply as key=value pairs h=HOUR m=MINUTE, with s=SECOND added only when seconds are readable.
h=11 m=24
